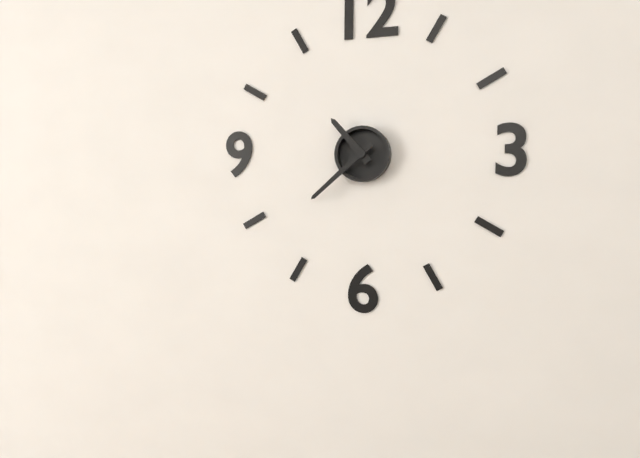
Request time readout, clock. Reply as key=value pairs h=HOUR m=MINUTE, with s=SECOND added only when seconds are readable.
h=10 m=38
